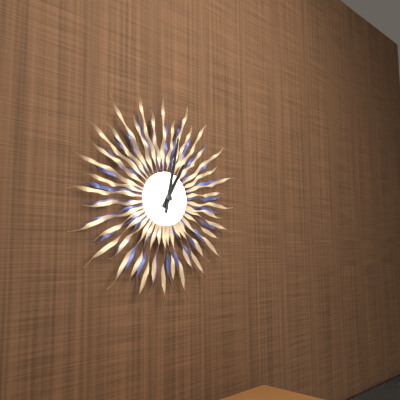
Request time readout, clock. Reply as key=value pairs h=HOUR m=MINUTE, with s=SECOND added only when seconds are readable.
h=1 m=2
